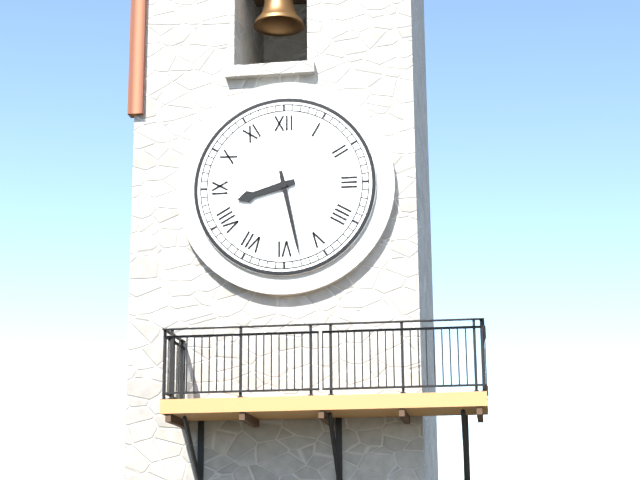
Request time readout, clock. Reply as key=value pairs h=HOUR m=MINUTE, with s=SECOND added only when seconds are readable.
h=8 m=28
